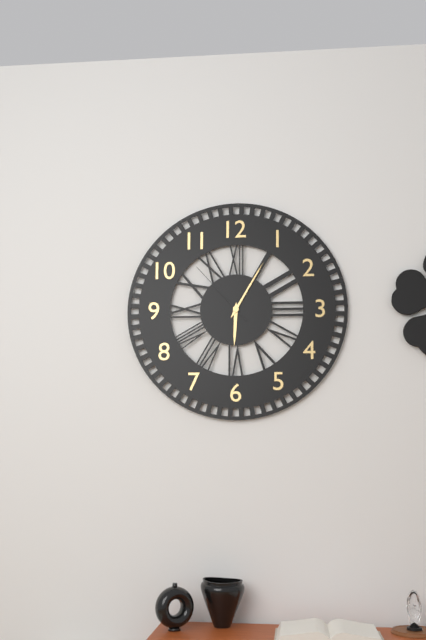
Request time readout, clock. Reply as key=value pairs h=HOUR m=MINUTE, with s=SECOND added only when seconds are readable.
h=6 m=5 s=53
